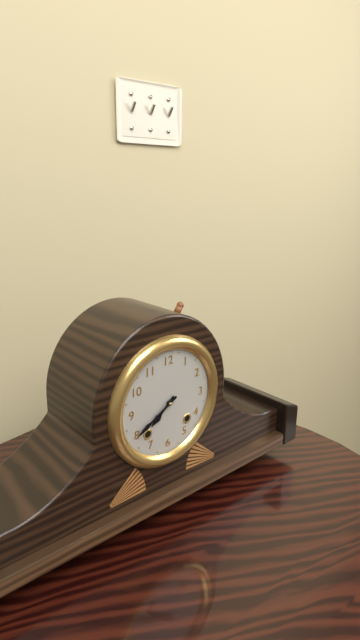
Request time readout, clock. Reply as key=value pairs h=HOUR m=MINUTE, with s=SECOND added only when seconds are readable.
h=7 m=40
